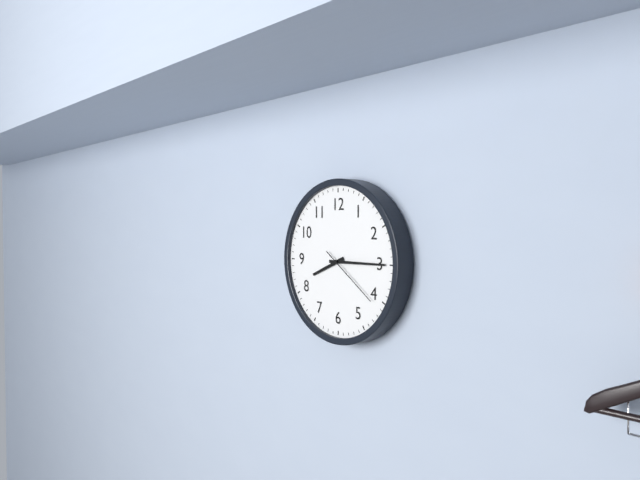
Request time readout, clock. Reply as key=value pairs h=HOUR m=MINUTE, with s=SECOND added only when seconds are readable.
h=8 m=15 s=21
